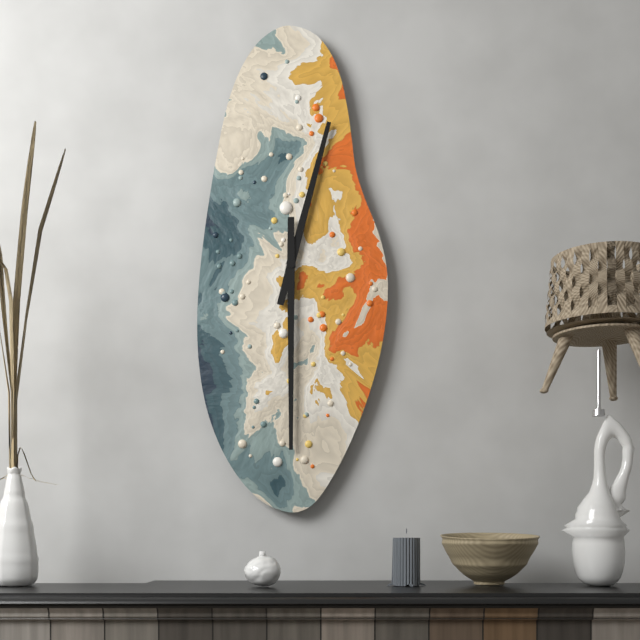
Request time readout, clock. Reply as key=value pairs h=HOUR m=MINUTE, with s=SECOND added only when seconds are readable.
h=12 m=30
